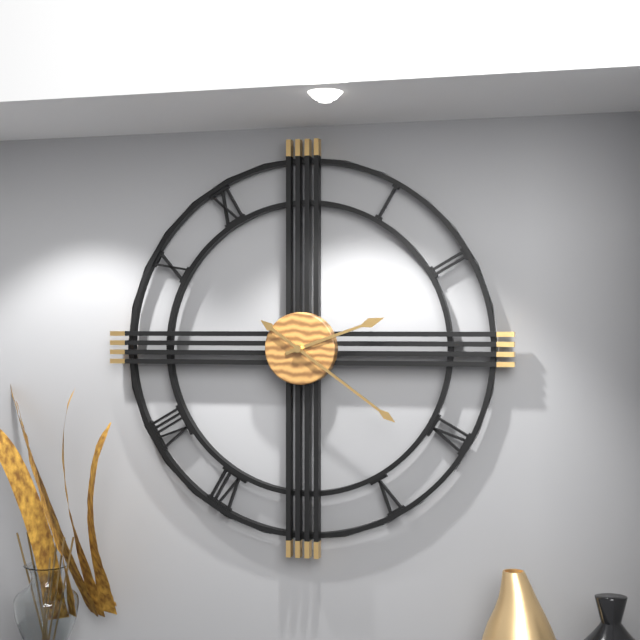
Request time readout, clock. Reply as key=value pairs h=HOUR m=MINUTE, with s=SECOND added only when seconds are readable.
h=2 m=21
